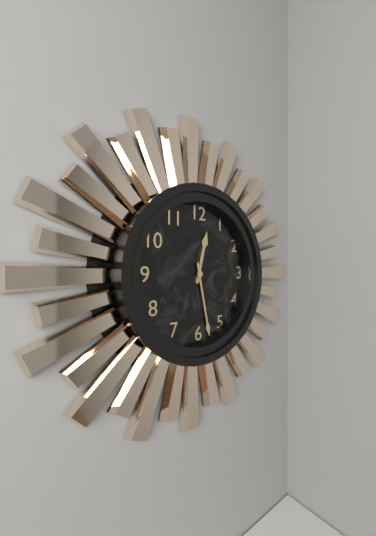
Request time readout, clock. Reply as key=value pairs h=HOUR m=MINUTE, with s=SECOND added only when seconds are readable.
h=12 m=28
